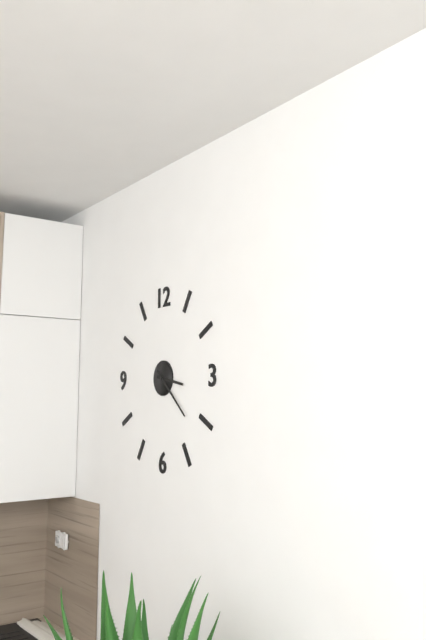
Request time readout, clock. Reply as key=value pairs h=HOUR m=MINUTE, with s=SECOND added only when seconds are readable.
h=3 m=22
